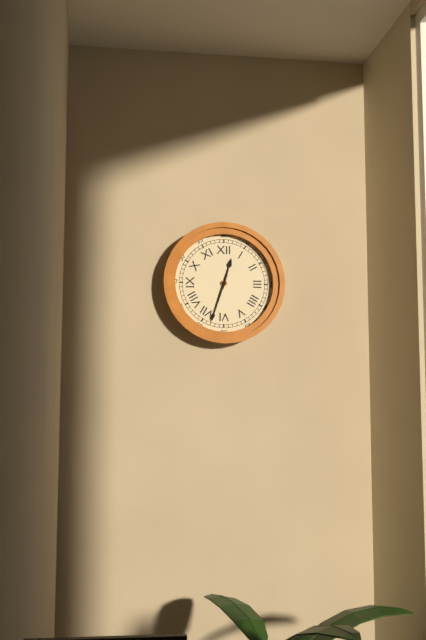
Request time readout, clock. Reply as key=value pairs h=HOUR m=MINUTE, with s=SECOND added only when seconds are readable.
h=12 m=33
